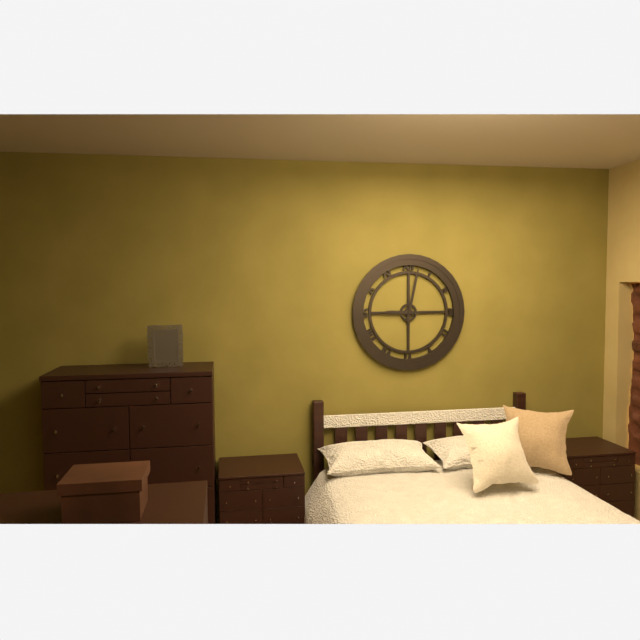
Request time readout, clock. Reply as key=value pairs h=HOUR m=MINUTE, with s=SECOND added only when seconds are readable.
h=9 m=2
